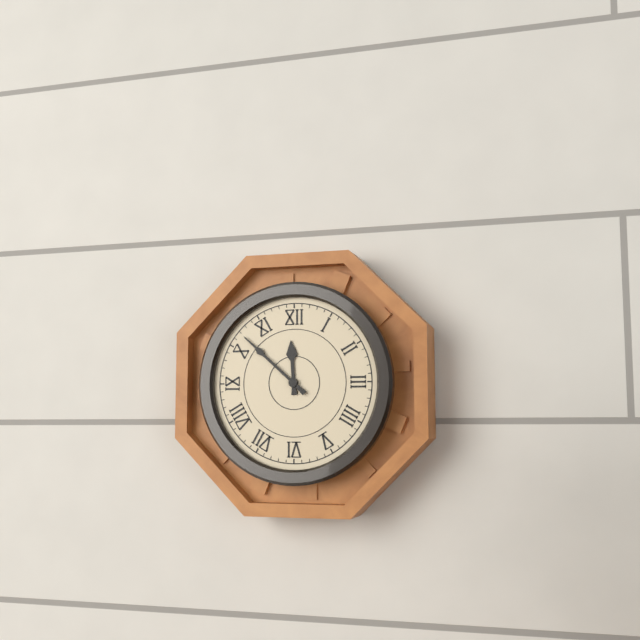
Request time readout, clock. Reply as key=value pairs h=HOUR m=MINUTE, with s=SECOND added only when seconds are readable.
h=11 m=52
